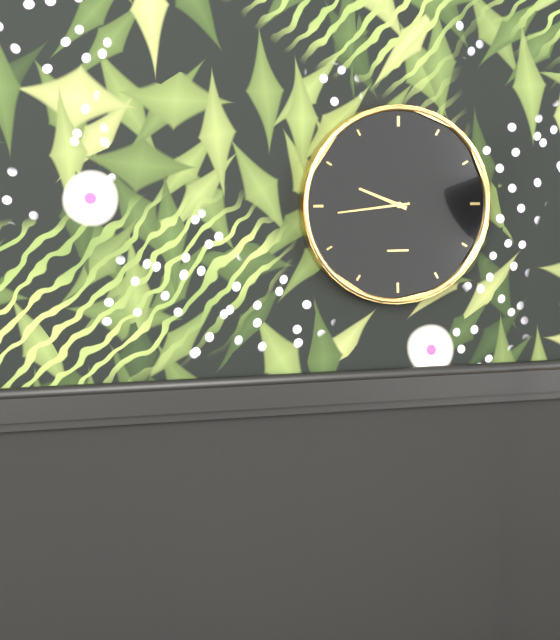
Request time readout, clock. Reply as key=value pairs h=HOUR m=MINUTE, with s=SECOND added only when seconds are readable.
h=9 m=44
